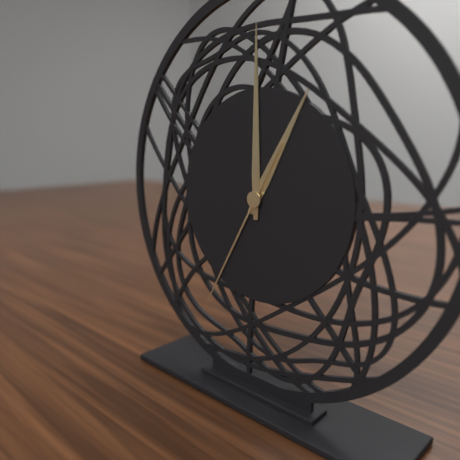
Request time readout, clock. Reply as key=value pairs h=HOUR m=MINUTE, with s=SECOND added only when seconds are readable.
h=1 m=0 s=35
